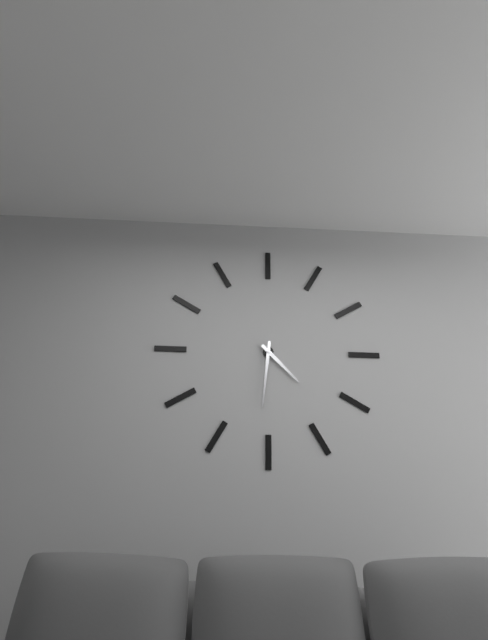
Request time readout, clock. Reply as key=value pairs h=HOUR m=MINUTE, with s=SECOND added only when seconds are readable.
h=4 m=31
